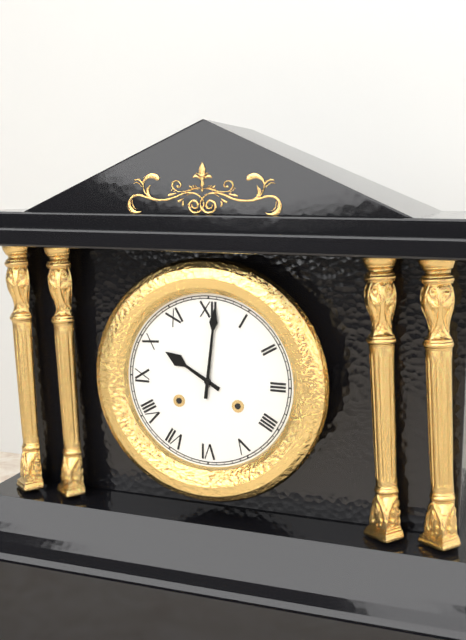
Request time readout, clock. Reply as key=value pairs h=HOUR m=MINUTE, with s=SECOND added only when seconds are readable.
h=10 m=1
